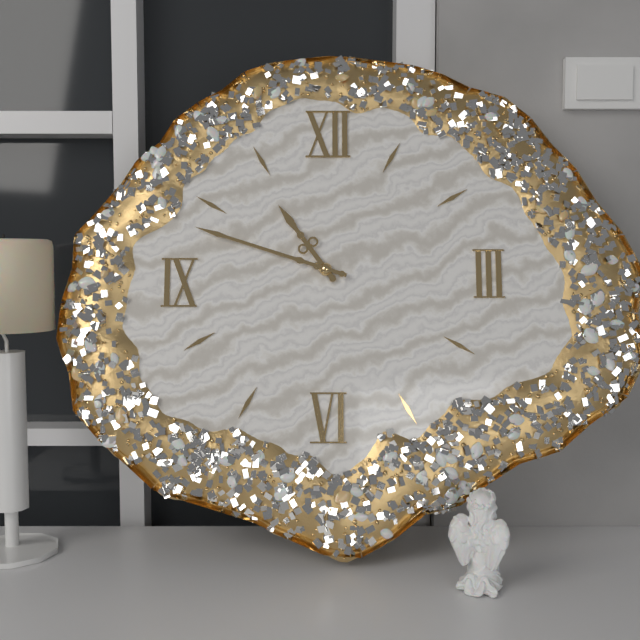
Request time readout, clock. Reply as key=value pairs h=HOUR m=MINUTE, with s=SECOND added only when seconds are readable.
h=10 m=48
